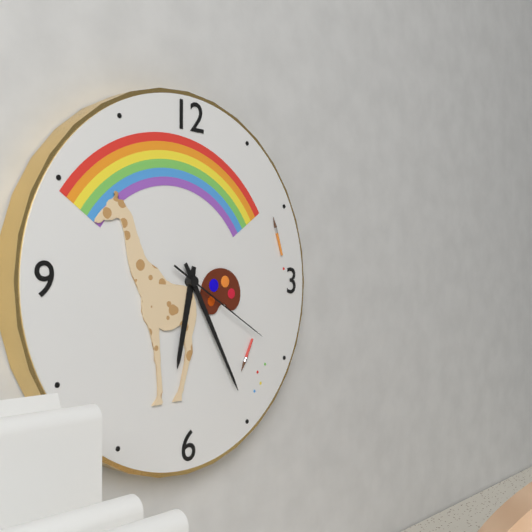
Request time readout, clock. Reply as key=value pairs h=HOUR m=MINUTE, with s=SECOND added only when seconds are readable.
h=6 m=25 s=20
